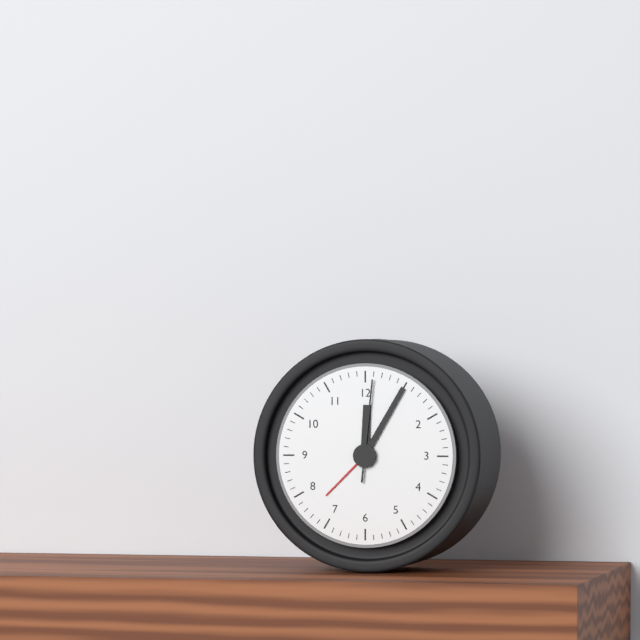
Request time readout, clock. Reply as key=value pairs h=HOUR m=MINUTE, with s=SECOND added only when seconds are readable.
h=12 m=5 s=1
